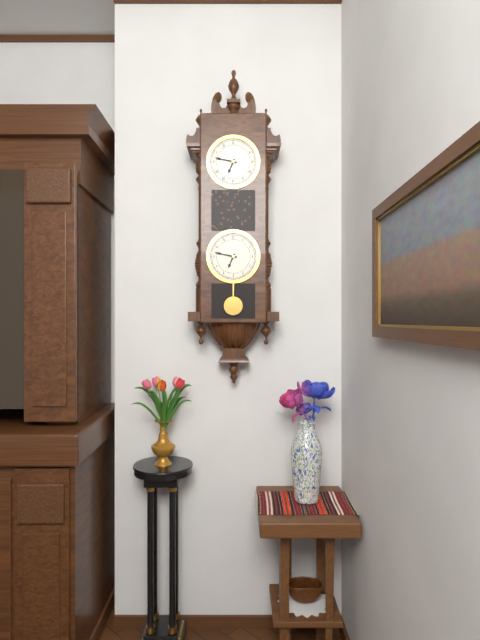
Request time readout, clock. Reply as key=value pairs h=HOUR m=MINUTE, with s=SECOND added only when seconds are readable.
h=6 m=47
